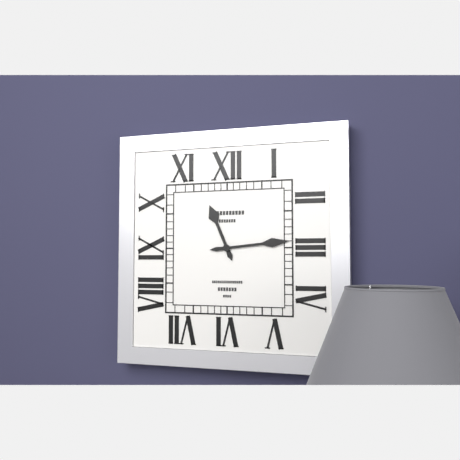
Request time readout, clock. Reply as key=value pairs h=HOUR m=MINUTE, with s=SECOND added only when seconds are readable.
h=11 m=14
